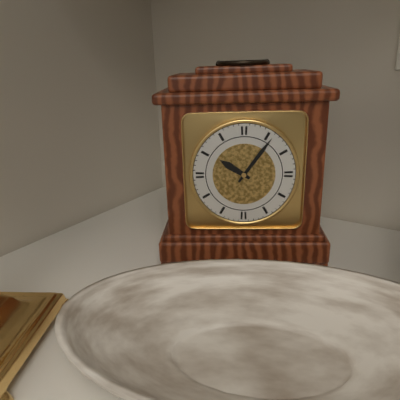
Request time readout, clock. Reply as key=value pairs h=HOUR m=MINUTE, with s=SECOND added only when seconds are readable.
h=10 m=6
